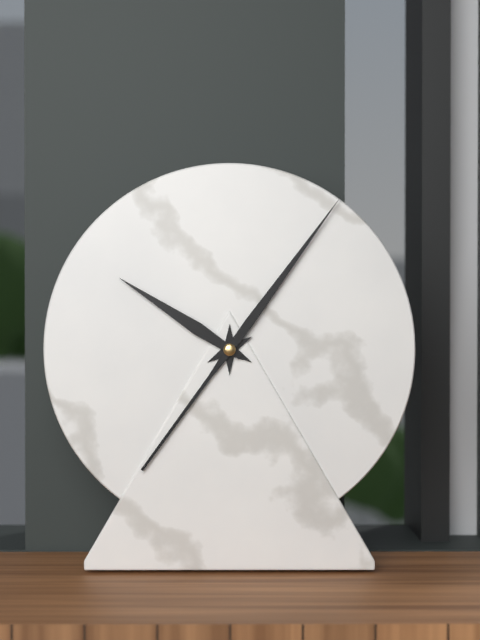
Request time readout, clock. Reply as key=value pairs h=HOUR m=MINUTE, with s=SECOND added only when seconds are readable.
h=10 m=6
